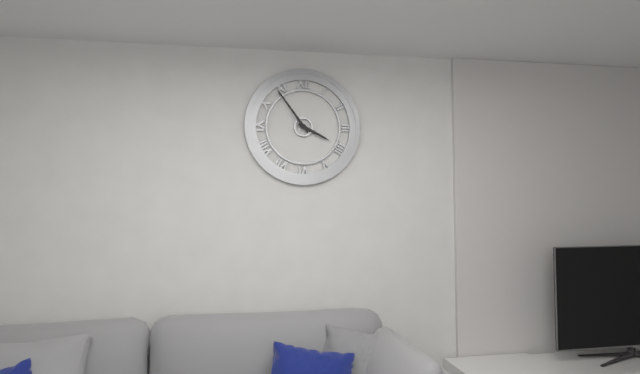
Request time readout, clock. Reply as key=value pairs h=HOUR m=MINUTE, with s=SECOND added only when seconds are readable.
h=3 m=54
